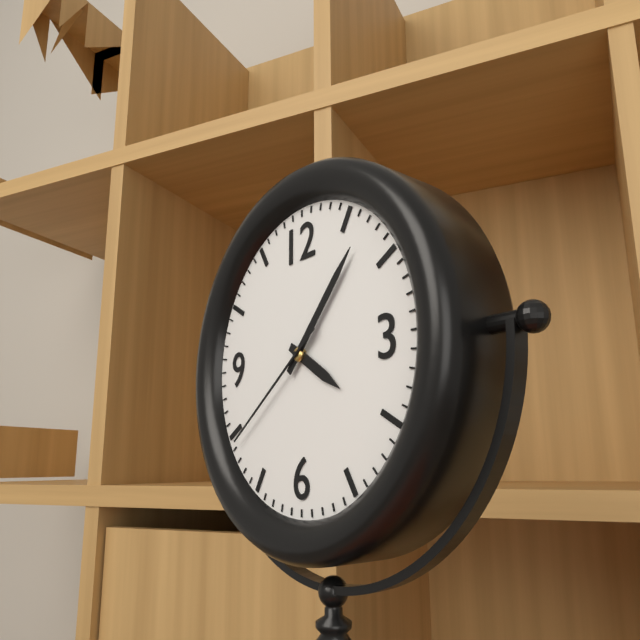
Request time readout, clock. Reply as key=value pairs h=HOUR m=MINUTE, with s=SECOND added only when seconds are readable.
h=4 m=7 s=39
